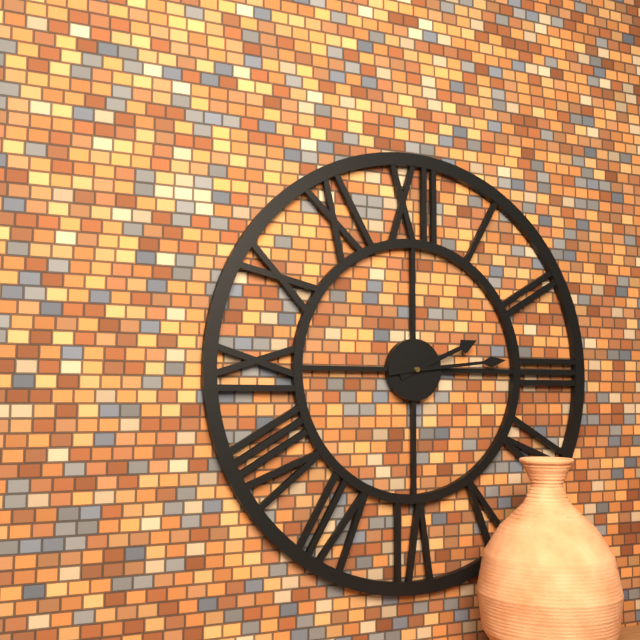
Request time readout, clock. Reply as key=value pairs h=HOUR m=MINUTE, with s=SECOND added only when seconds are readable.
h=2 m=14
